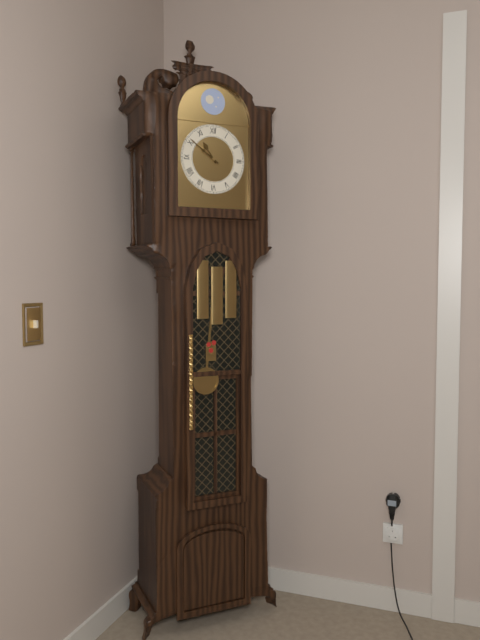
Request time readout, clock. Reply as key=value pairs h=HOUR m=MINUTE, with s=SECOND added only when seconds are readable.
h=10 m=51
